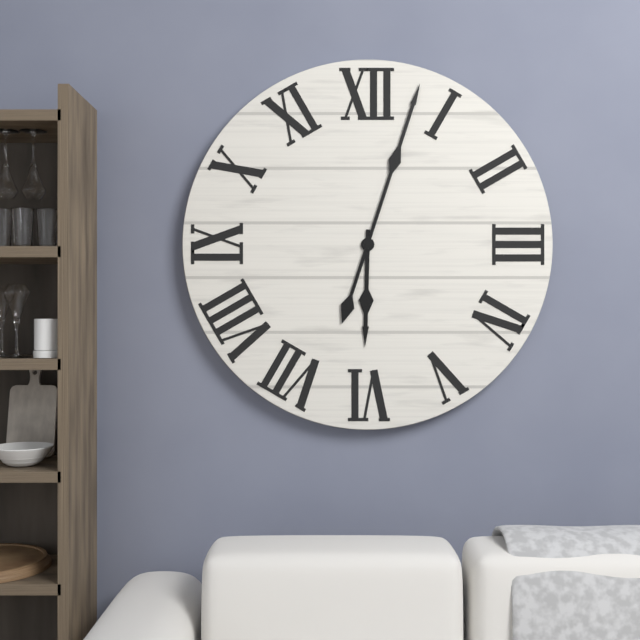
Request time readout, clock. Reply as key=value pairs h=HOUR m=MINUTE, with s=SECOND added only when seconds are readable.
h=6 m=3
